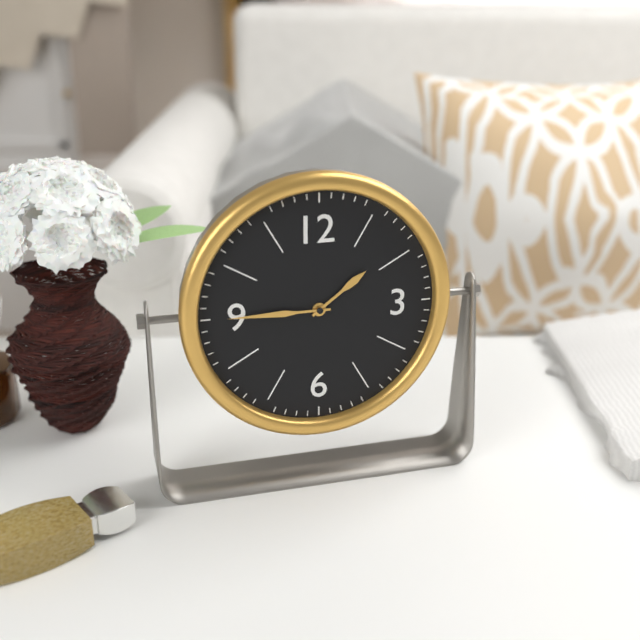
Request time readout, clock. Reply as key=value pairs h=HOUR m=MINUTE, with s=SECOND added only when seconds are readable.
h=1 m=45
